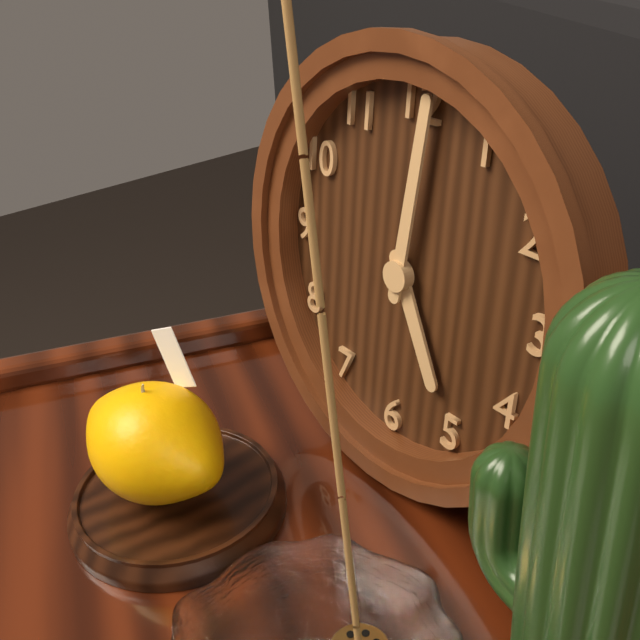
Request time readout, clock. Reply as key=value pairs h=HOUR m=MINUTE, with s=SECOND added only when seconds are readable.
h=5 m=1
